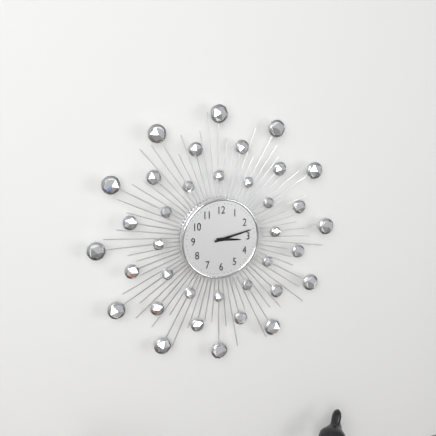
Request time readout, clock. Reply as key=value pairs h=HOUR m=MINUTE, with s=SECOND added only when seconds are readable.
h=3 m=13
